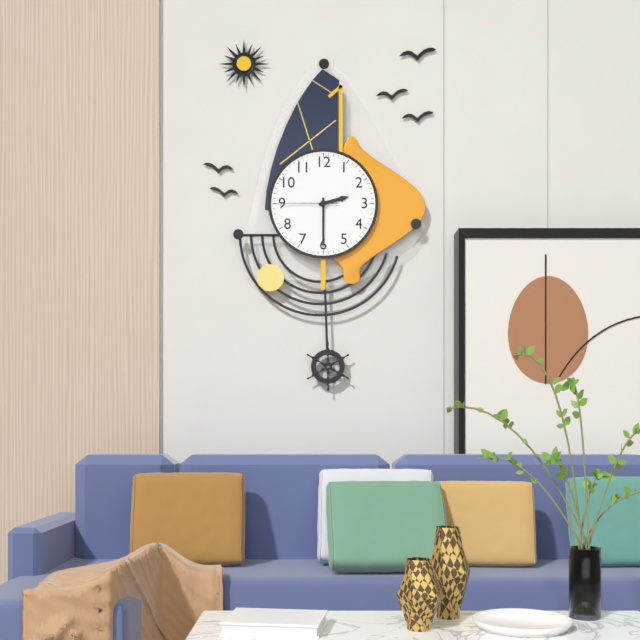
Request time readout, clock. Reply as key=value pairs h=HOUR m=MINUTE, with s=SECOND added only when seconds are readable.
h=2 m=30 s=45
